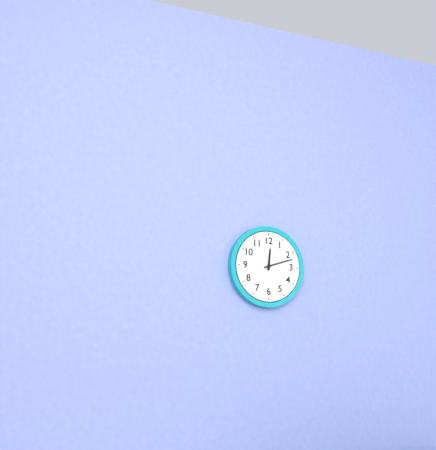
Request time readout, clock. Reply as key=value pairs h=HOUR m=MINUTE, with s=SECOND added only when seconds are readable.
h=12 m=12
